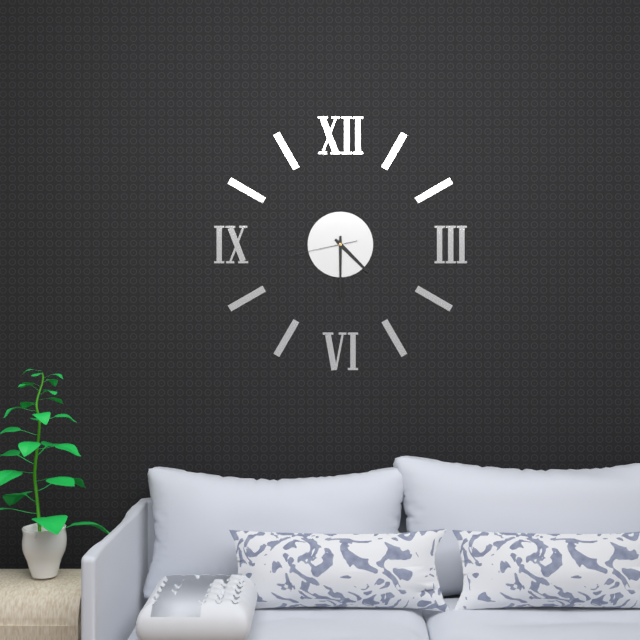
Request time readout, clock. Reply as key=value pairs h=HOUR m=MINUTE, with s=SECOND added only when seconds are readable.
h=4 m=30 s=43
